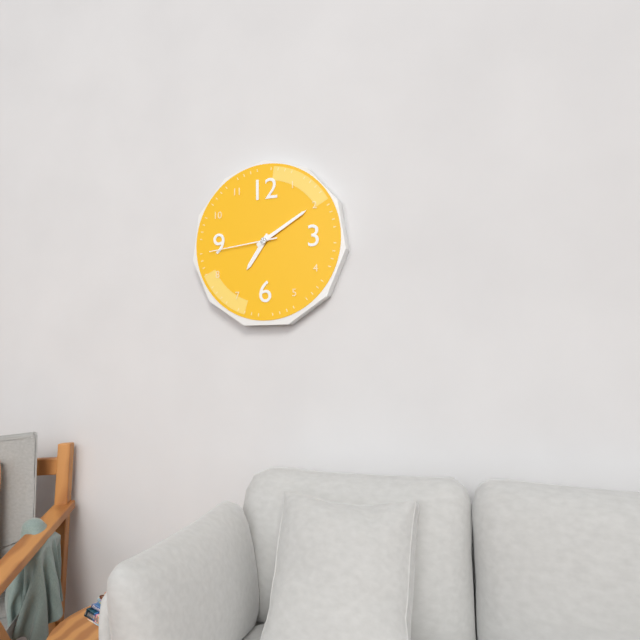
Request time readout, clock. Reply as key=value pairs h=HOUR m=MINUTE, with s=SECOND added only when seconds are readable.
h=7 m=10 s=44
